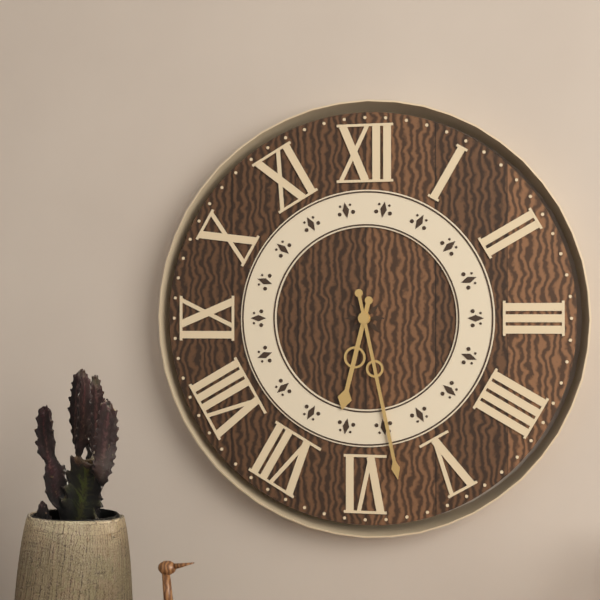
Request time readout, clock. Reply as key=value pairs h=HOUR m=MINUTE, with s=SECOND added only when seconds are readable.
h=6 m=28
